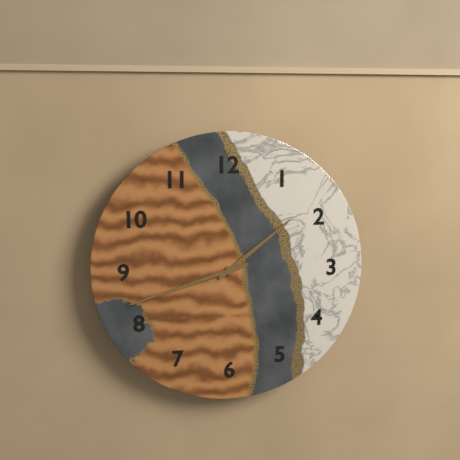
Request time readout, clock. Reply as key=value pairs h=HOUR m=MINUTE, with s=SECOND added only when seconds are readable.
h=1 m=42
